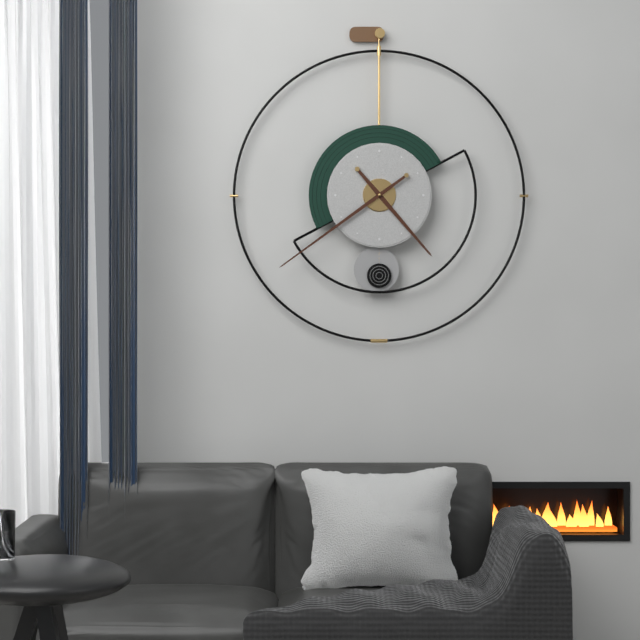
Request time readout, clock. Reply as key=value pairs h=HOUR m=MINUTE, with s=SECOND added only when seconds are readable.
h=4 m=39
